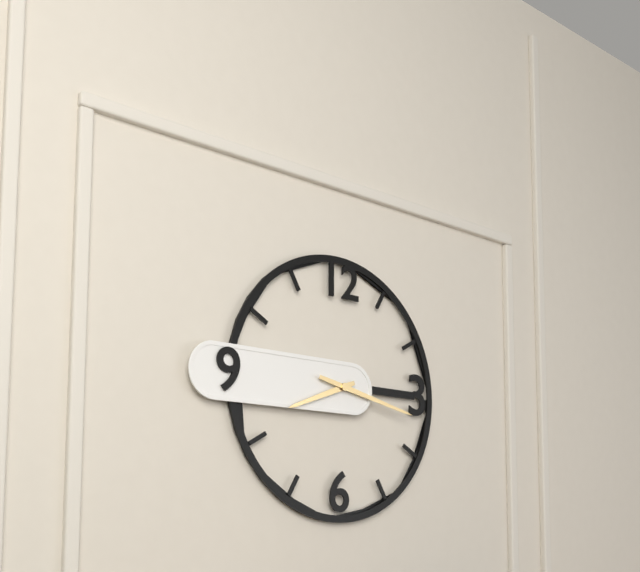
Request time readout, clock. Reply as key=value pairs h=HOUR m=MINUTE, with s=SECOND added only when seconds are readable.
h=8 m=17
